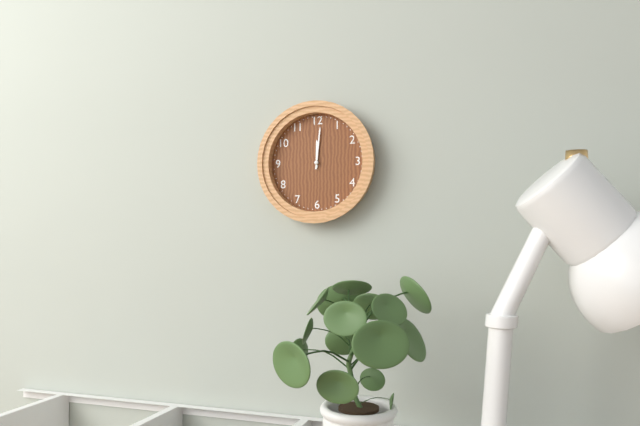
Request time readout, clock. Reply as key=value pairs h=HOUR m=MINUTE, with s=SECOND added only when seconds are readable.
h=12 m=1
